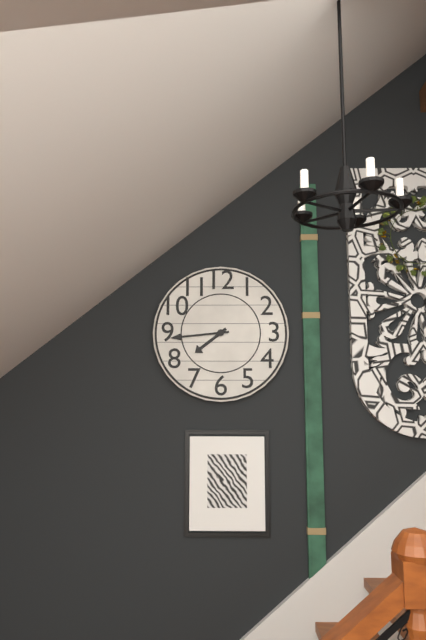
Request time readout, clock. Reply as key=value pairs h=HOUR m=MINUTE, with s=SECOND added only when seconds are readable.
h=7 m=44
